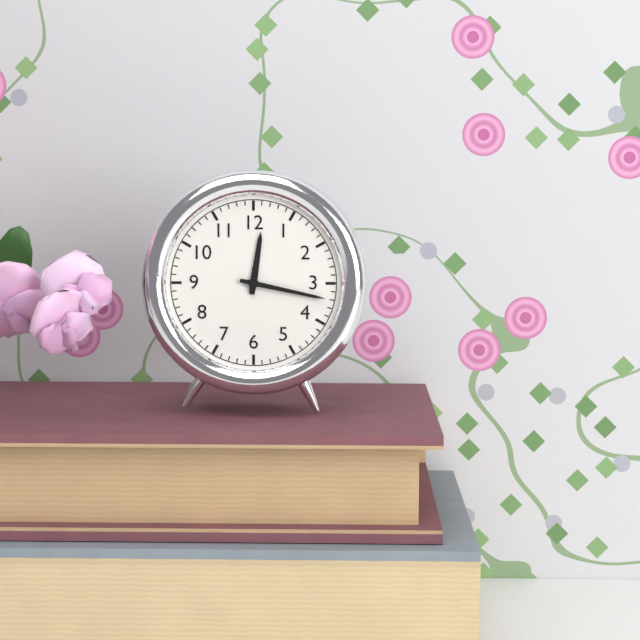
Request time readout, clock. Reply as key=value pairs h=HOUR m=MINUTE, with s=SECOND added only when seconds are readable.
h=12 m=17
